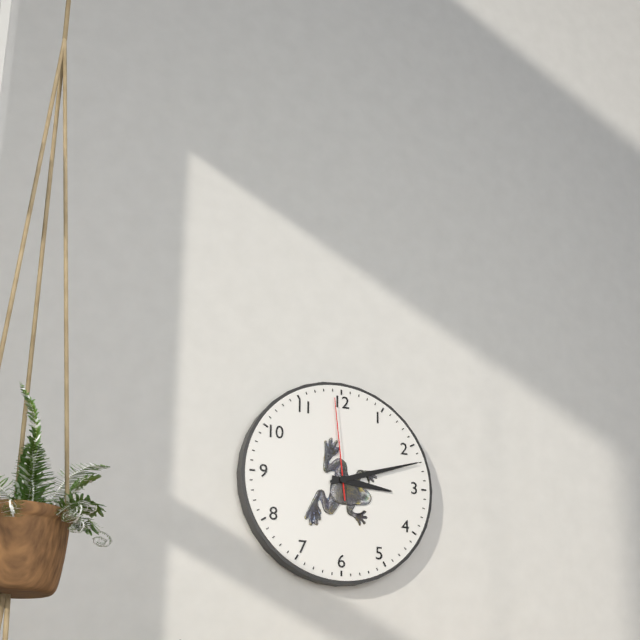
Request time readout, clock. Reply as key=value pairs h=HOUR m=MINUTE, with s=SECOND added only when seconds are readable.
h=3 m=12 s=59
